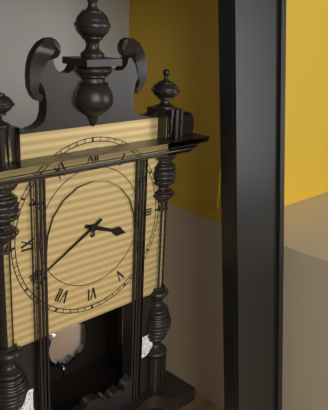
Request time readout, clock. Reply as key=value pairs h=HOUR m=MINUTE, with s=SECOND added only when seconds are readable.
h=3 m=40
